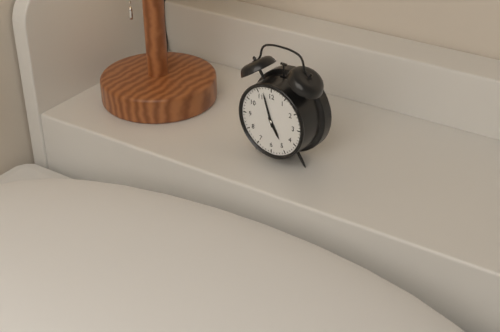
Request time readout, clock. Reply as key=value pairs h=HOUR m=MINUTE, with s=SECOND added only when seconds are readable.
h=4 m=57
